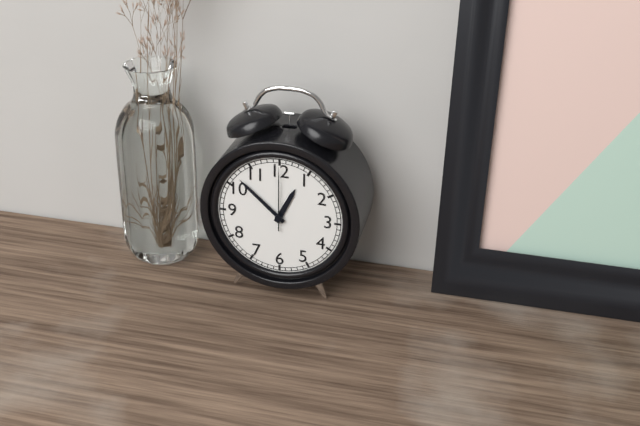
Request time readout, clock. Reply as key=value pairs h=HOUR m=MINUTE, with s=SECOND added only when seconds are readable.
h=12 m=52 s=0
